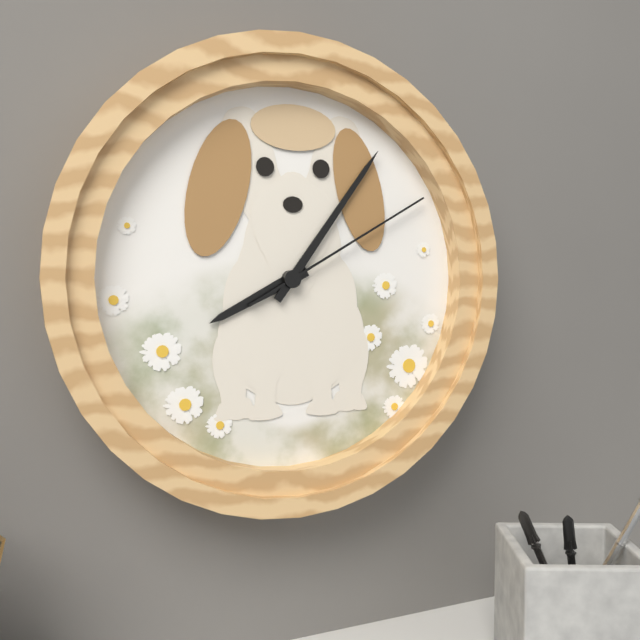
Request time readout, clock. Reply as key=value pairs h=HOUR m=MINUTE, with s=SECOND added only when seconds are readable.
h=8 m=6 s=10
